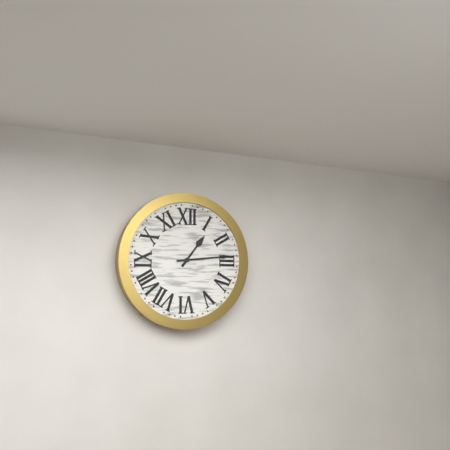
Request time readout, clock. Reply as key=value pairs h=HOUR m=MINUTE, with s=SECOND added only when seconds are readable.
h=1 m=14
